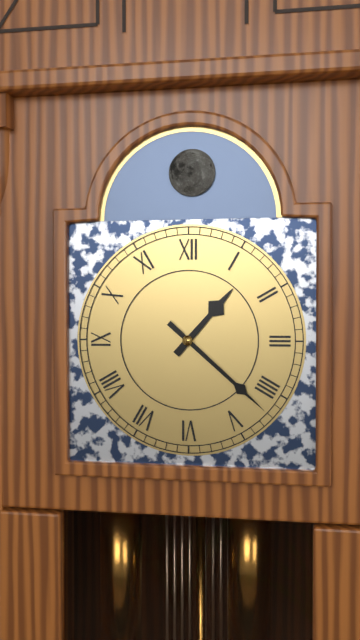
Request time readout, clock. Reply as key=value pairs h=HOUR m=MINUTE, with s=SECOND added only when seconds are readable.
h=1 m=22
